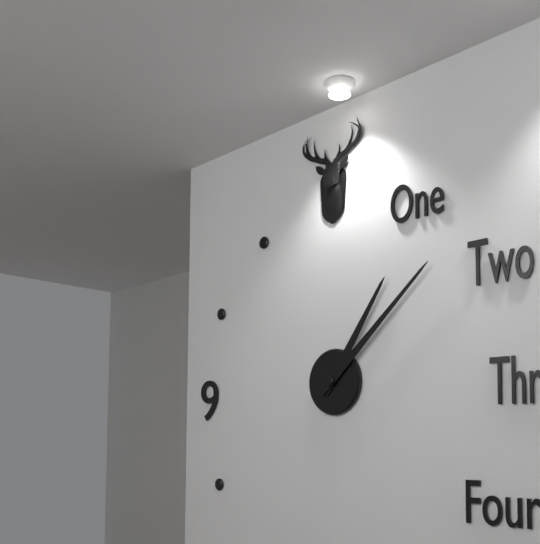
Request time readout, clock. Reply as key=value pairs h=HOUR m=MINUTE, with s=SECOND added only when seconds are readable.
h=1 m=8
